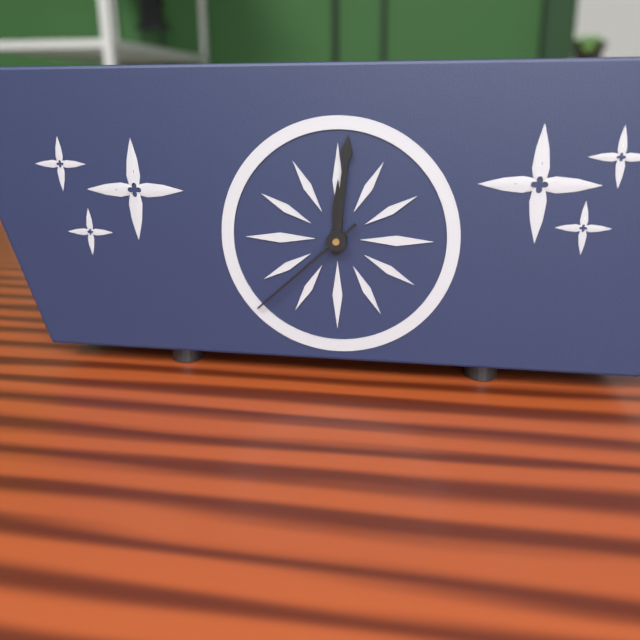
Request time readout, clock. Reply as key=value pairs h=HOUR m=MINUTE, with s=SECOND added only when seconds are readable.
h=12 m=1 s=38
